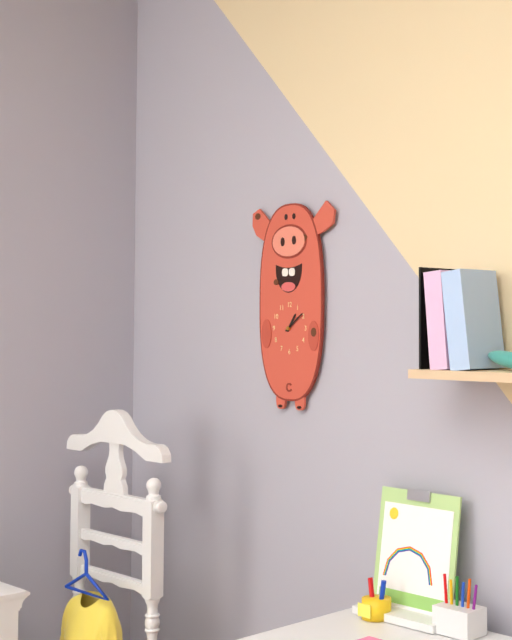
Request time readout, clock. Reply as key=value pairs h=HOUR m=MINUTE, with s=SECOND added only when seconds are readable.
h=1 m=9
